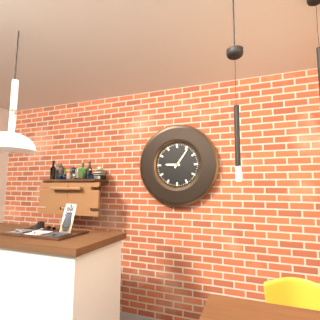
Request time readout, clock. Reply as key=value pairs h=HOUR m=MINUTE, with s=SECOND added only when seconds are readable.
h=9 m=6
